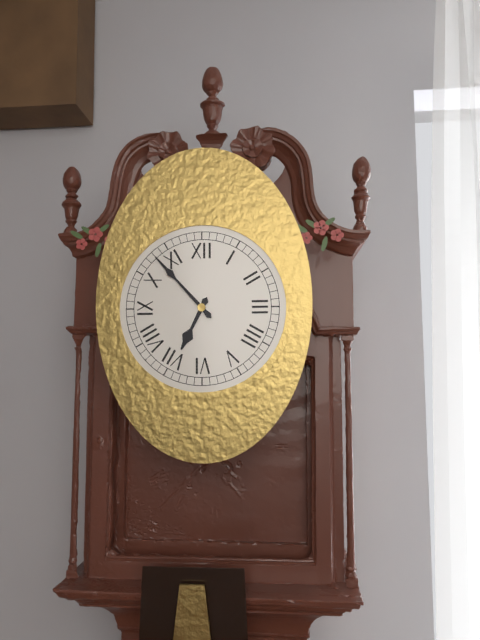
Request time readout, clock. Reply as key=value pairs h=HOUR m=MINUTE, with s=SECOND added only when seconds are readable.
h=6 m=53
